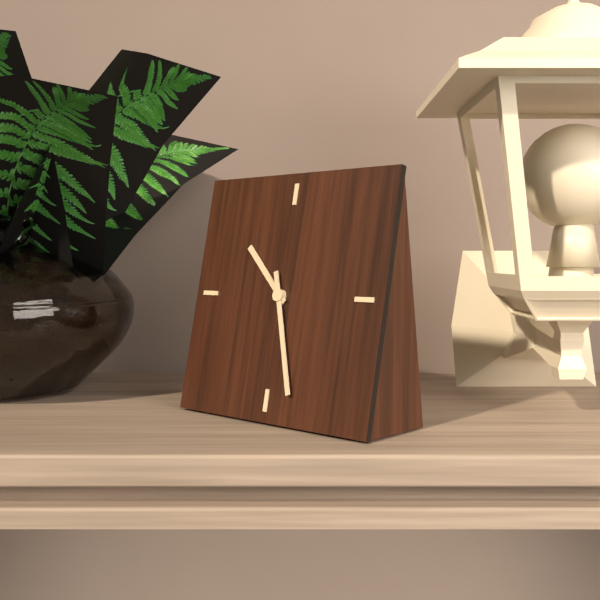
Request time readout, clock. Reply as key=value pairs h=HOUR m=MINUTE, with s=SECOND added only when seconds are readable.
h=10 m=27
